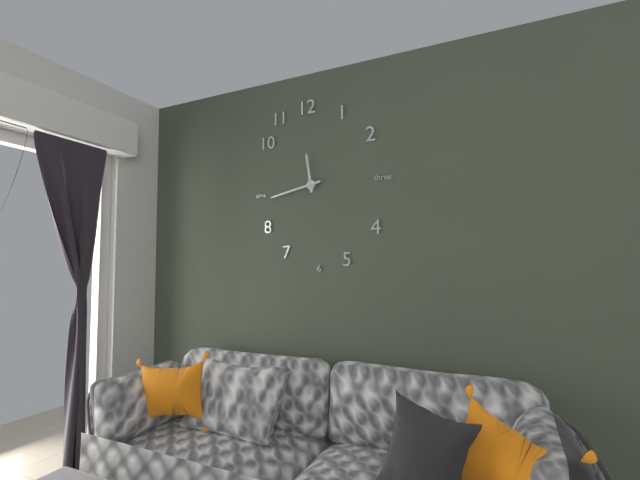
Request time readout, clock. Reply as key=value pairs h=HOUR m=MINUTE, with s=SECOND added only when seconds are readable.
h=11 m=43
